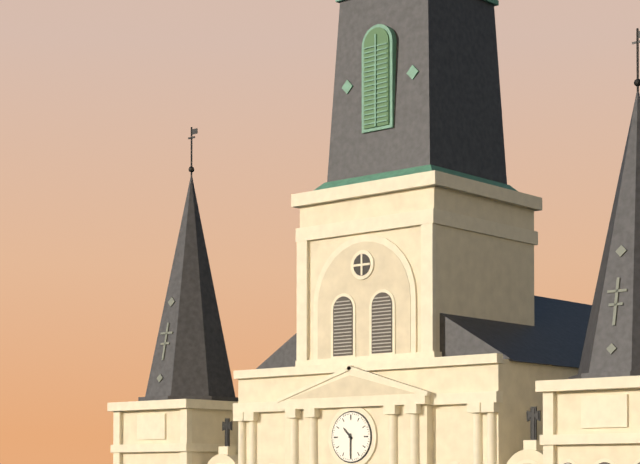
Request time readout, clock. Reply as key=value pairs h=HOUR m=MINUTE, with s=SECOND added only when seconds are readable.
h=10 m=30
